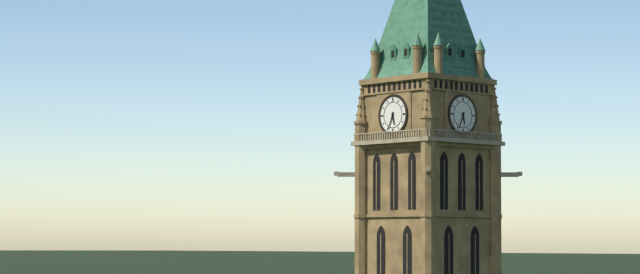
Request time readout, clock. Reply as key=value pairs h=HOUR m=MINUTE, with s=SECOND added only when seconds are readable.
h=5 m=34
